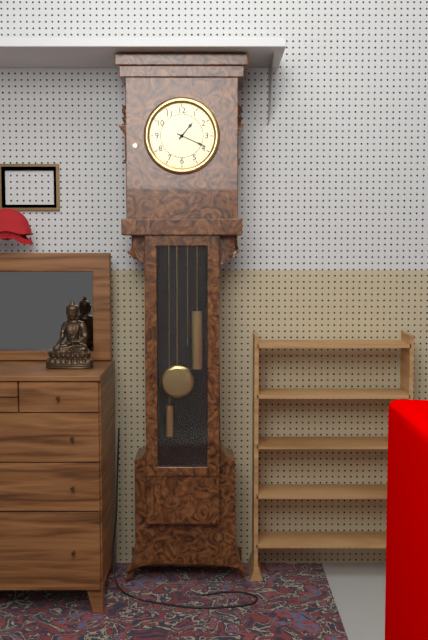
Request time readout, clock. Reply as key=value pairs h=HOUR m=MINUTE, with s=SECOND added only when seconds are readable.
h=1 m=19
